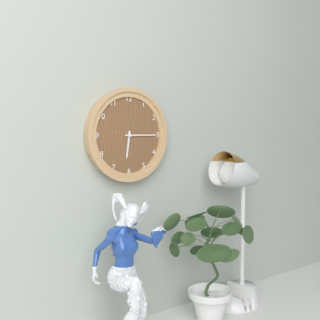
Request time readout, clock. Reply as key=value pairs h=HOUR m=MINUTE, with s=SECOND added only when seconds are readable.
h=6 m=15
